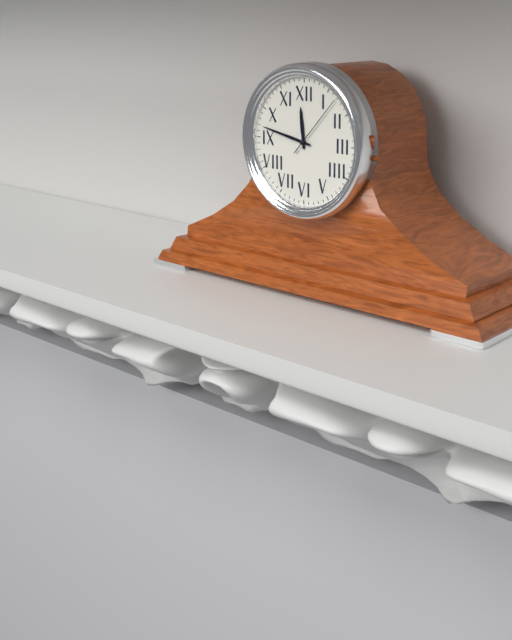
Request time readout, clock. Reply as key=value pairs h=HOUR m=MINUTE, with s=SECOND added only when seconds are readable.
h=11 m=47 s=7
